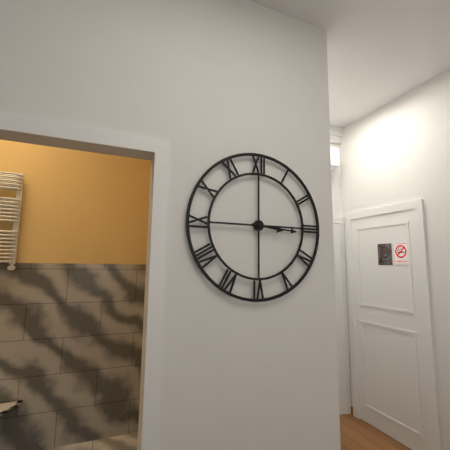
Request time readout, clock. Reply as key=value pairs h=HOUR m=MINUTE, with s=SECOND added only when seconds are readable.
h=3 m=16
